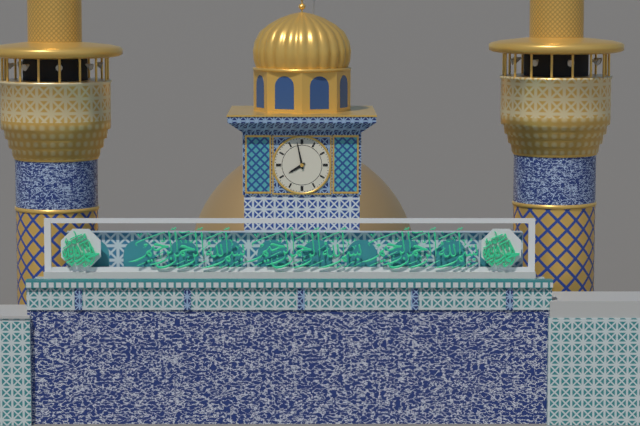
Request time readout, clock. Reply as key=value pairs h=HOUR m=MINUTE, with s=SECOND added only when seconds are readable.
h=7 m=58
